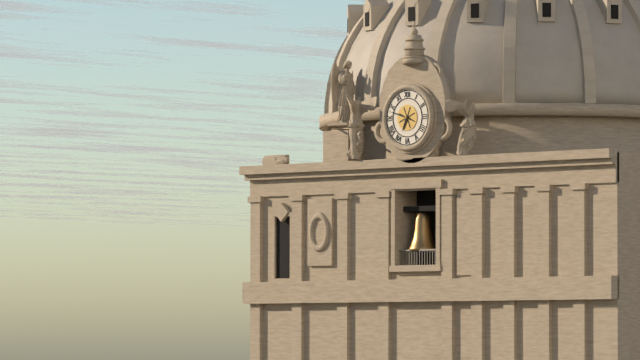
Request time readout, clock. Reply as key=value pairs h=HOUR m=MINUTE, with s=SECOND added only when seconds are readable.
h=6 m=48
